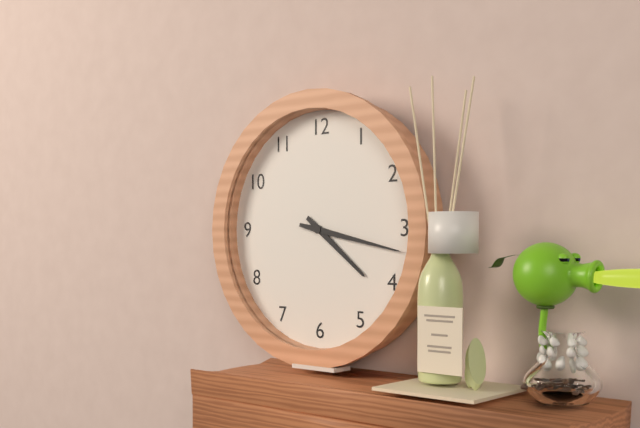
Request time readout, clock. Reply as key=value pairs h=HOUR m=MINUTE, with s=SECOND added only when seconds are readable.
h=4 m=17
